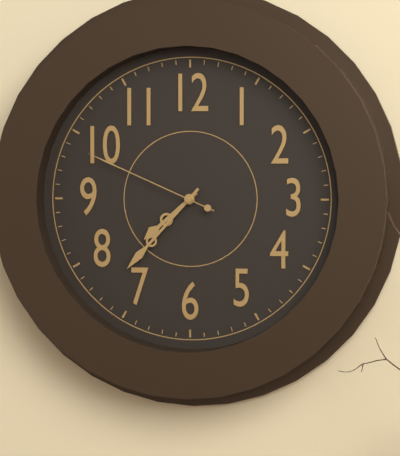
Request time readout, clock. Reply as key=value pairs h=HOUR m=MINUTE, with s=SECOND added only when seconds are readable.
h=7 m=37 s=49
